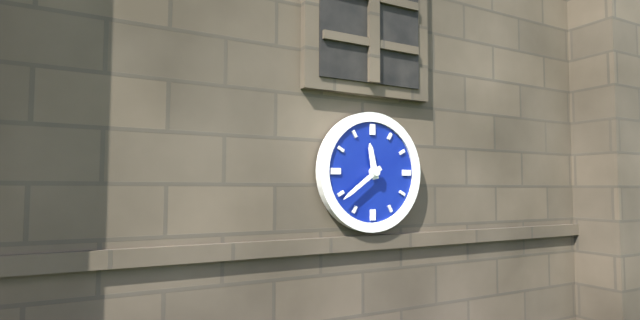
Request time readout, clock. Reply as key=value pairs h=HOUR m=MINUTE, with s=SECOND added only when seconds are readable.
h=11 m=39
